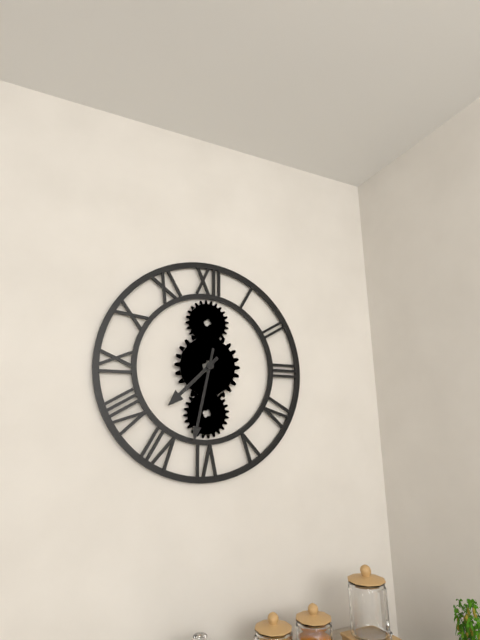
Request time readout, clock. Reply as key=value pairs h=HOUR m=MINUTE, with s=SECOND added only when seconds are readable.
h=7 m=32
